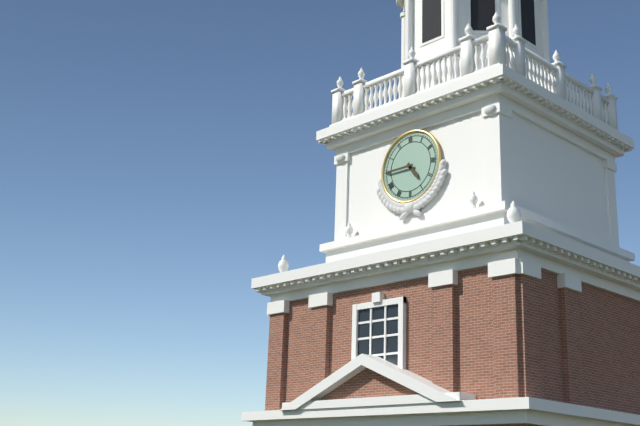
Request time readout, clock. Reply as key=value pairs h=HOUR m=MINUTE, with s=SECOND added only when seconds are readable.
h=4 m=45
